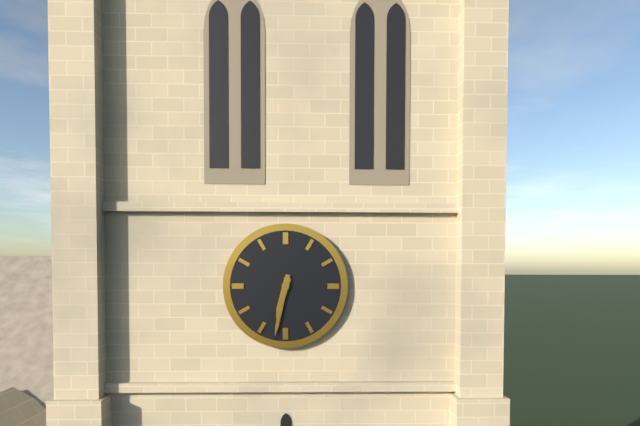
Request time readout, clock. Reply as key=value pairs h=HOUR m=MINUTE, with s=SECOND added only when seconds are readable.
h=6 m=32
